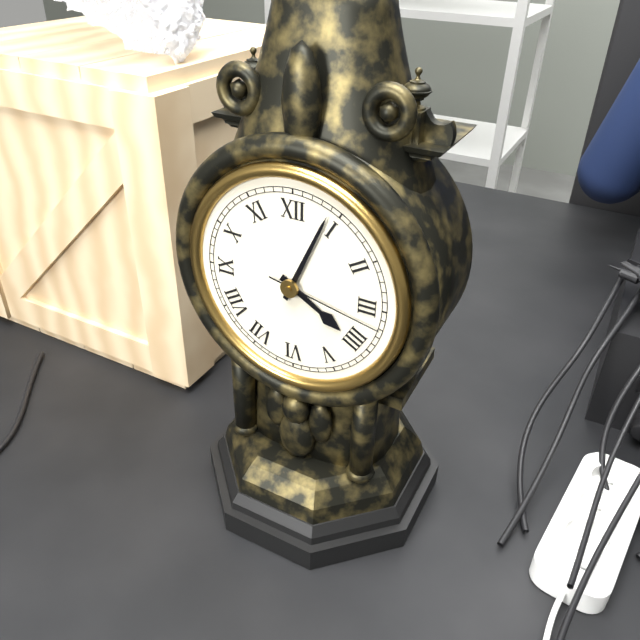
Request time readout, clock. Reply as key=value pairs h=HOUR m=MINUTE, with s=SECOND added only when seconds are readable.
h=4 m=4 s=17
